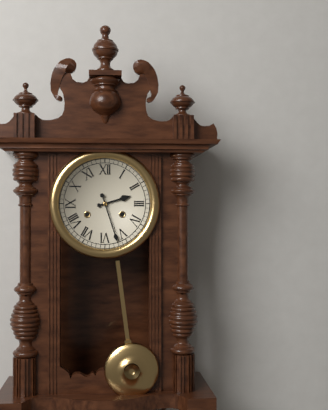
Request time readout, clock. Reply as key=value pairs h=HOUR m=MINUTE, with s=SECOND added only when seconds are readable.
h=2 m=27
